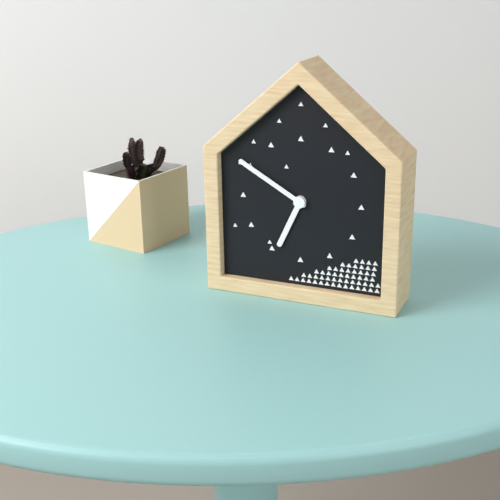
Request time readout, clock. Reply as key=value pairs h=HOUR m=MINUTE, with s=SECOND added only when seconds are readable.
h=6 m=50
